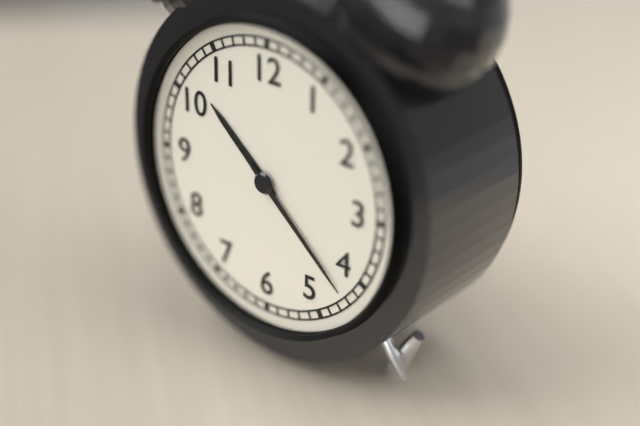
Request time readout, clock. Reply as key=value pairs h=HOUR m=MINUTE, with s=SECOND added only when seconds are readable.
h=10 m=22
